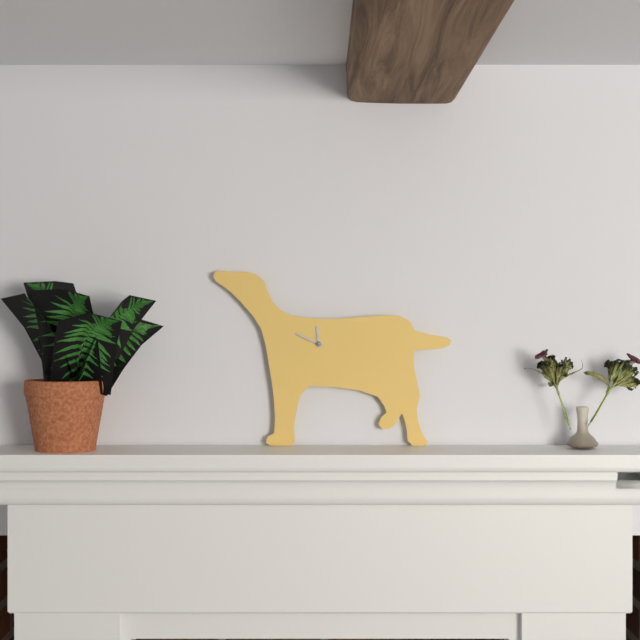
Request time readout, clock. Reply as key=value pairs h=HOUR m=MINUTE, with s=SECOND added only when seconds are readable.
h=11 m=49
